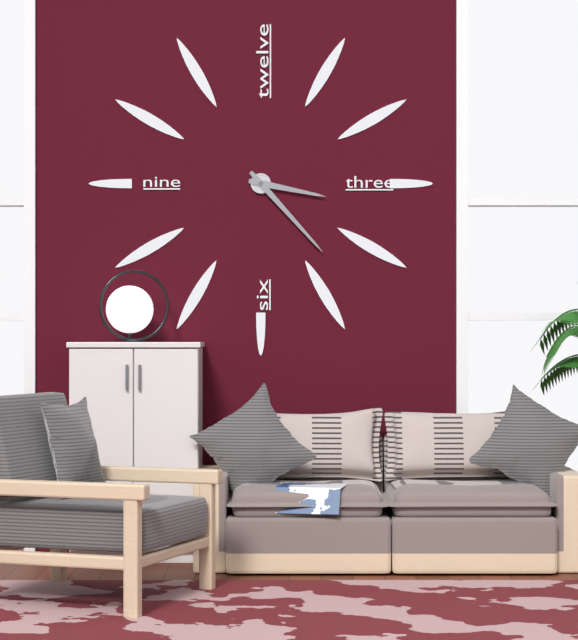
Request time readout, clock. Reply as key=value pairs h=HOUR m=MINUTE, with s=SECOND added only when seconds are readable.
h=3 m=23
